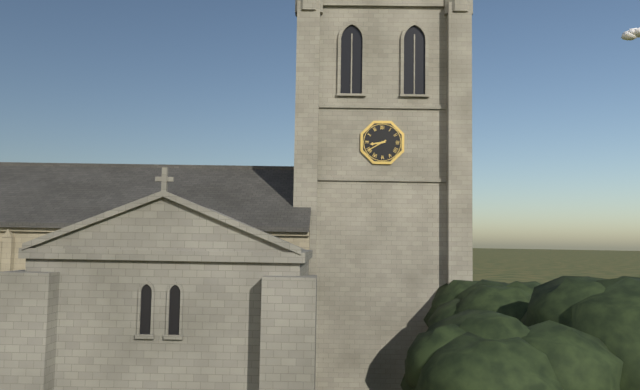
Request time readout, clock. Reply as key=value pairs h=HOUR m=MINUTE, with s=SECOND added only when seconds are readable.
h=8 m=40
